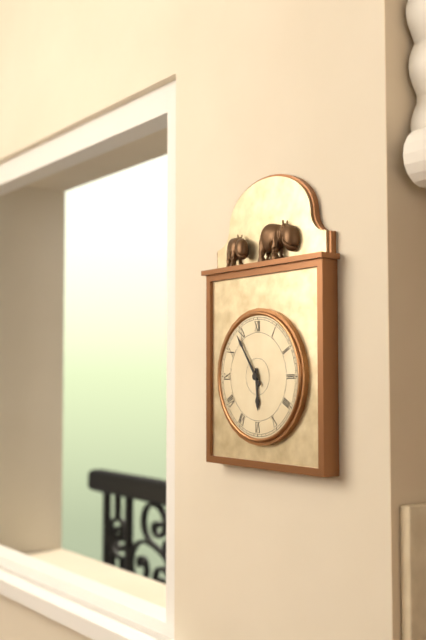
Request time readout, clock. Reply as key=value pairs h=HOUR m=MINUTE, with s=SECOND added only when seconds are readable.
h=5 m=54
